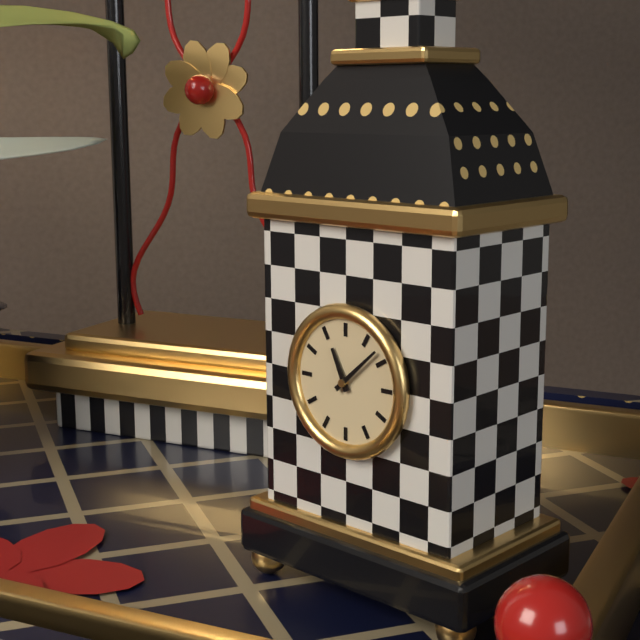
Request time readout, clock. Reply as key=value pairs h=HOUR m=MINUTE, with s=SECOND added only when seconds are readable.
h=11 m=8
